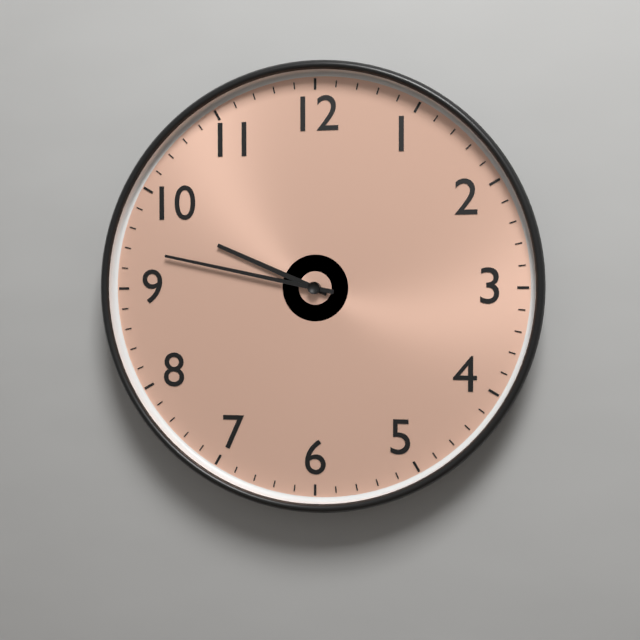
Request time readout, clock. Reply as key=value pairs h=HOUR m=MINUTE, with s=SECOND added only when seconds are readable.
h=9 m=47
